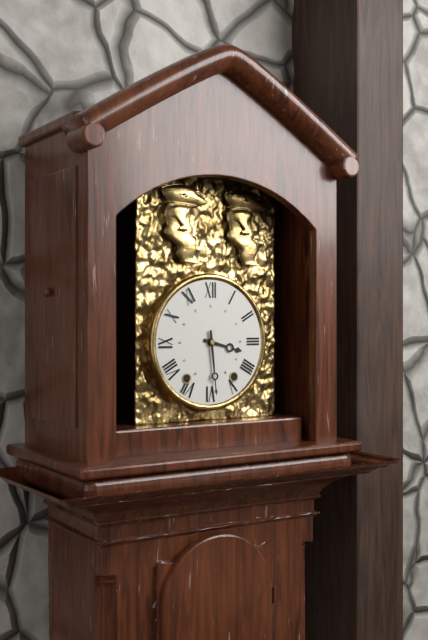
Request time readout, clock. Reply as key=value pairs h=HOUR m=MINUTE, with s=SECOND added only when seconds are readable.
h=3 m=29
